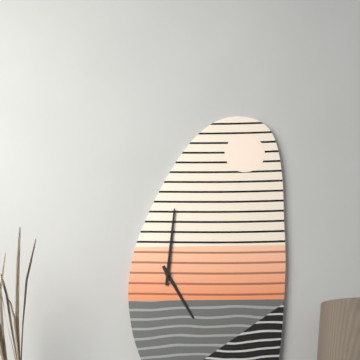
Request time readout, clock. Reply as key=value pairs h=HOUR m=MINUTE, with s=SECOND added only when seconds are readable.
h=5 m=1
